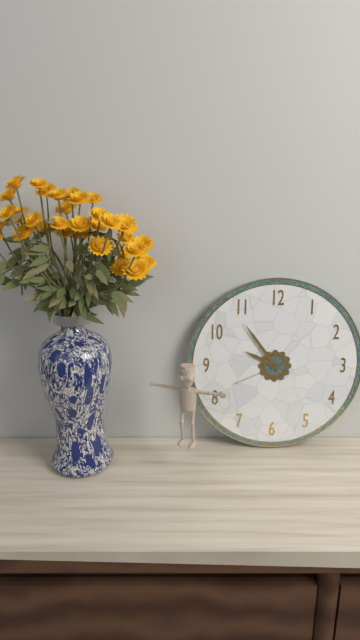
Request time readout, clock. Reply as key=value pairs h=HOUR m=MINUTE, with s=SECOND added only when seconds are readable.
h=9 m=54 s=41
